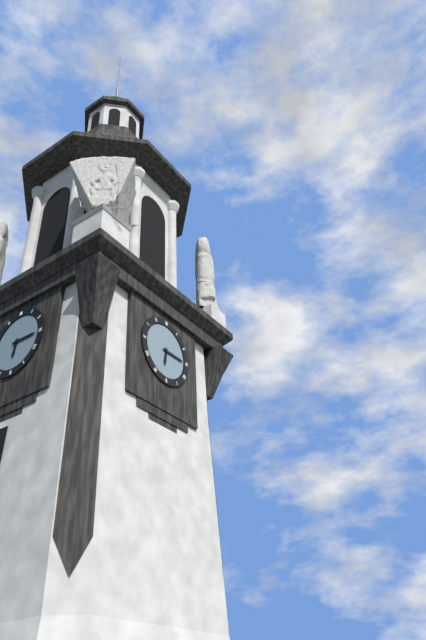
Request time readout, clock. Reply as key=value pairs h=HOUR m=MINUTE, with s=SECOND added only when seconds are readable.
h=6 m=15
